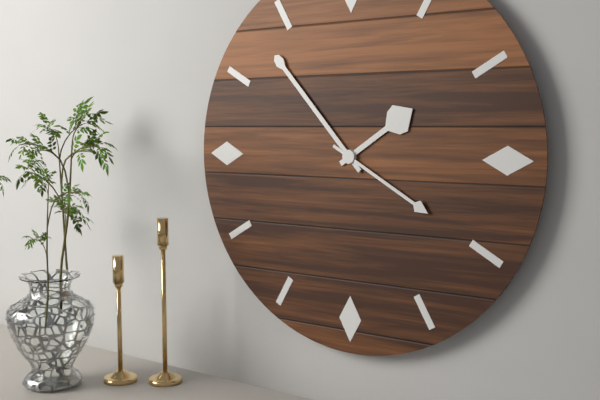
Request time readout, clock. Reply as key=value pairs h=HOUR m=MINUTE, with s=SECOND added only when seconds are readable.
h=1 m=53 s=20
